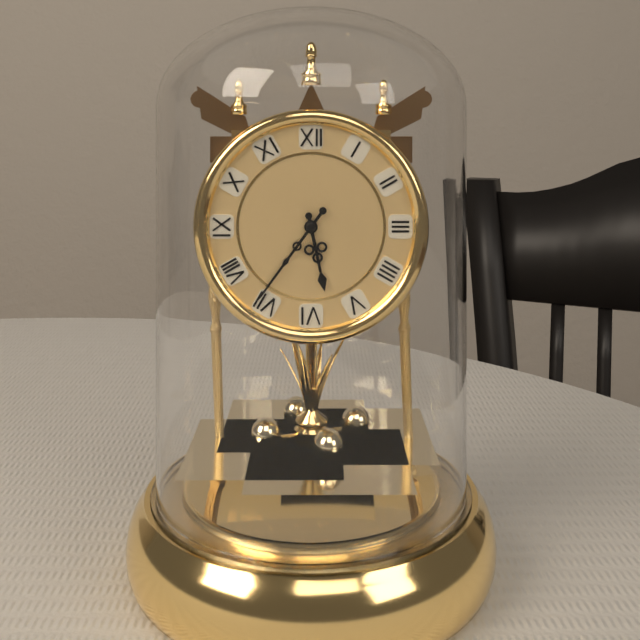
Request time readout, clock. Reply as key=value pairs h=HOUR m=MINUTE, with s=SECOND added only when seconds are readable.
h=5 m=36
